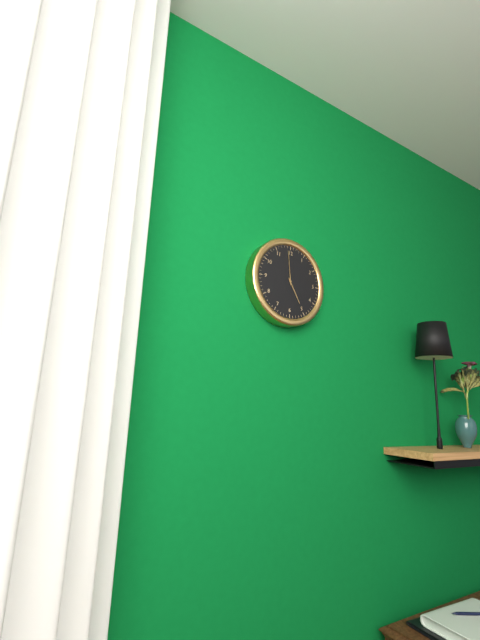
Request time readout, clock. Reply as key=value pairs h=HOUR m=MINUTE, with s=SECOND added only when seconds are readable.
h=4 m=59
